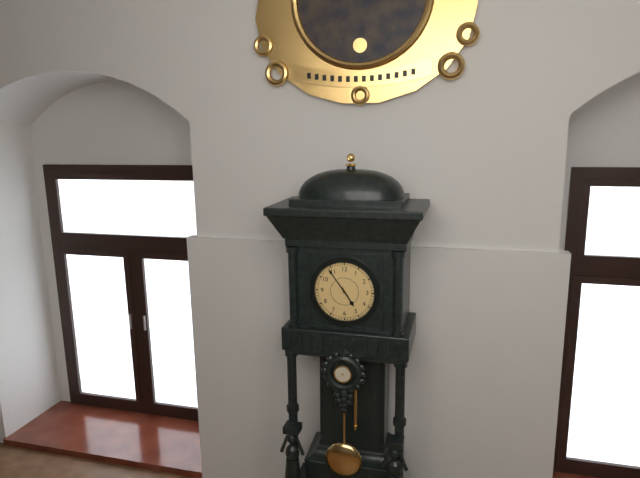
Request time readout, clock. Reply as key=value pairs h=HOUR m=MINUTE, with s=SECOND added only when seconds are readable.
h=4 m=54
